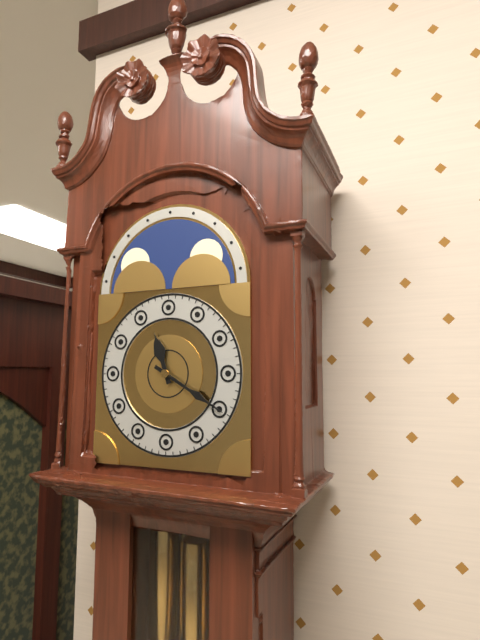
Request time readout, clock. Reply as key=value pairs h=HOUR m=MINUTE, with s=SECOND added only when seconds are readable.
h=11 m=20
